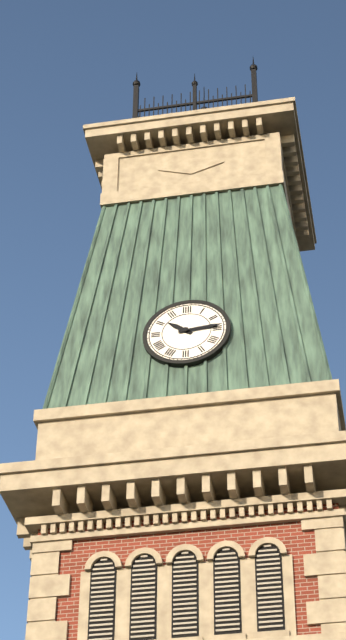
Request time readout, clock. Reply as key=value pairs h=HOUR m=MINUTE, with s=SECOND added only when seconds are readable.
h=10 m=14
